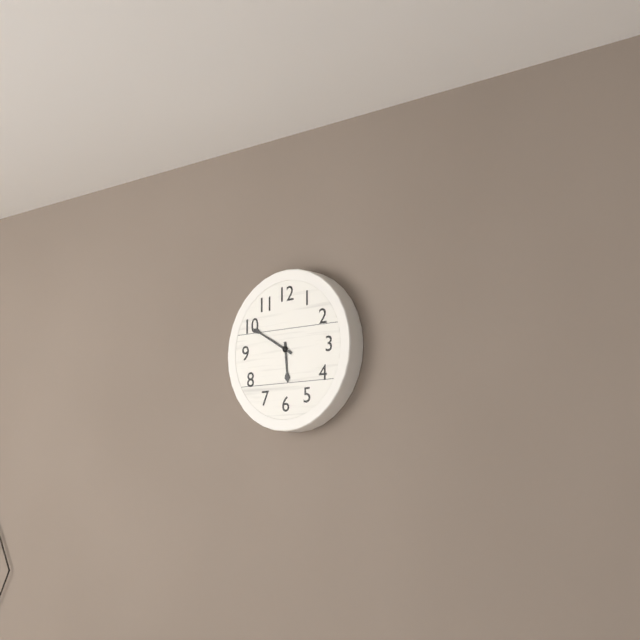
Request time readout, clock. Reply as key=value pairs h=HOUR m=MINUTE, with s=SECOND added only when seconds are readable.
h=5 m=50
